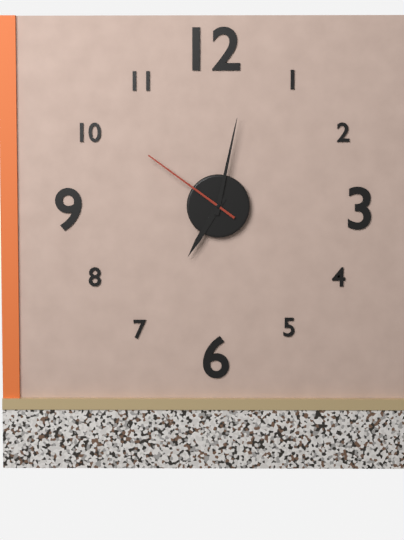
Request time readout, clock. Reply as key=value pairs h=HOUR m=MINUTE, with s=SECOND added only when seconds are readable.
h=7 m=2 s=51
